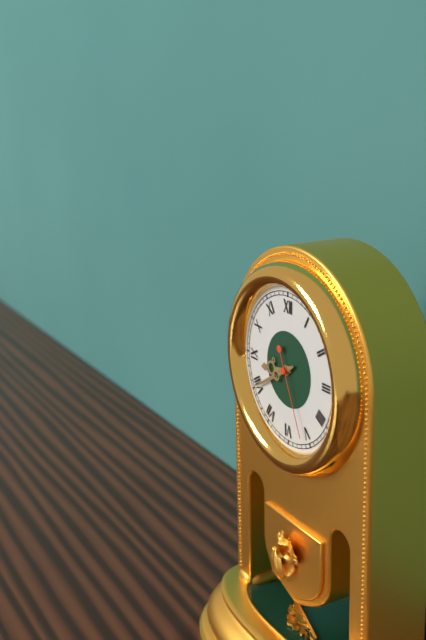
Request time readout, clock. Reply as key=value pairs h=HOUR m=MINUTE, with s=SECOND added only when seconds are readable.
h=8 m=40 s=26
